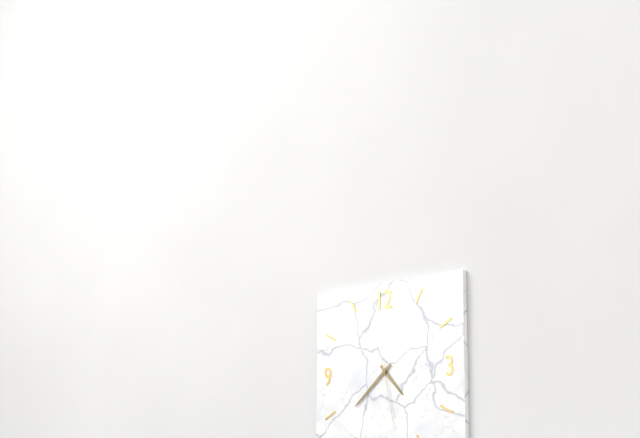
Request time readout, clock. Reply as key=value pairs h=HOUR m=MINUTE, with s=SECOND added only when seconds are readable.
h=4 m=38 s=28
